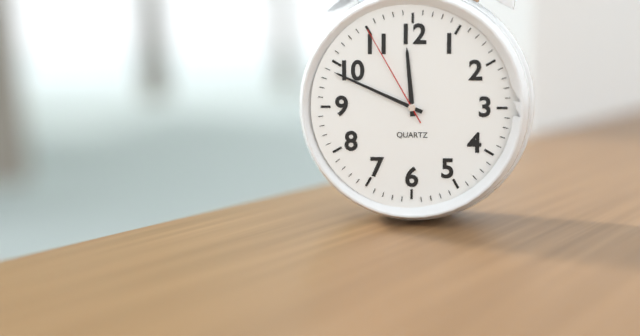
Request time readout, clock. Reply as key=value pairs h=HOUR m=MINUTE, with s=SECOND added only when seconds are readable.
h=11 m=49 s=55
